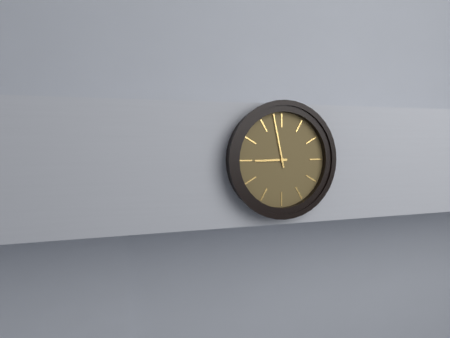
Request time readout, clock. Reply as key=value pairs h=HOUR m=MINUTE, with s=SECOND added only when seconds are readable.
h=8 m=58
